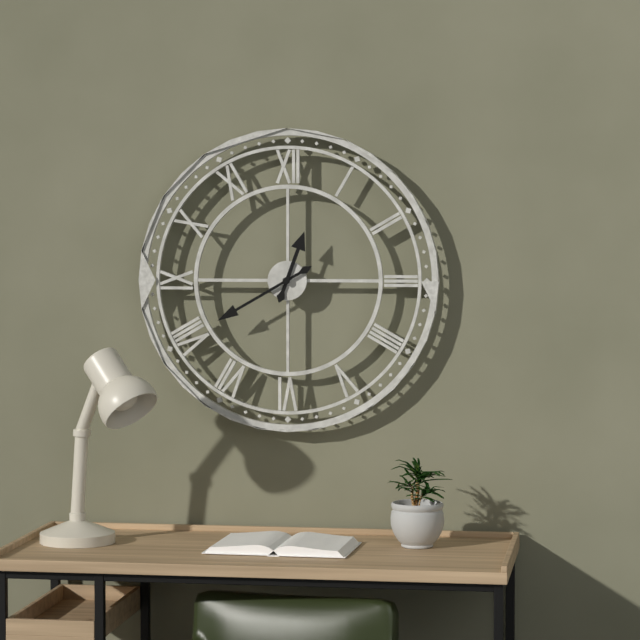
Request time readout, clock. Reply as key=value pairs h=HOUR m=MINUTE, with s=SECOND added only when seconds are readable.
h=12 m=40
